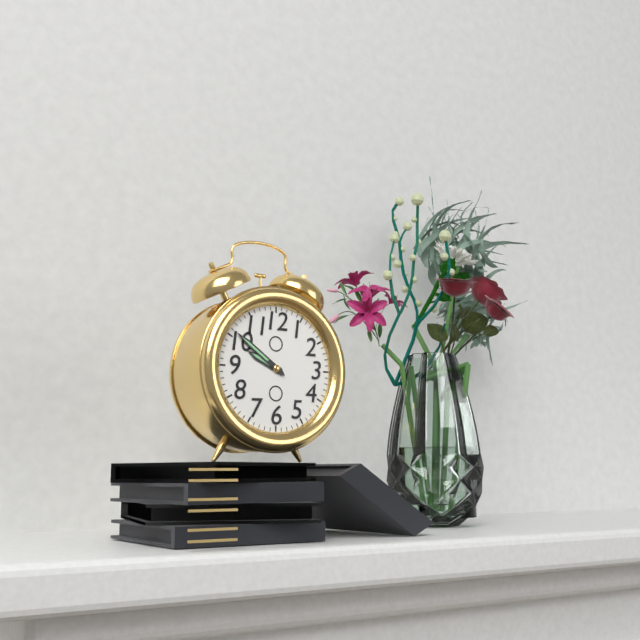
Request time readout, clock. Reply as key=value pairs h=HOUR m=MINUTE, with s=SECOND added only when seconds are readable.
h=9 m=51
